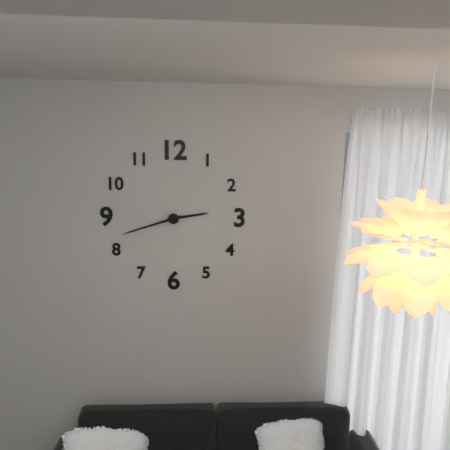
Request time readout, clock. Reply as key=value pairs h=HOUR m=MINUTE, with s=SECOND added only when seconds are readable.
h=2 m=42
